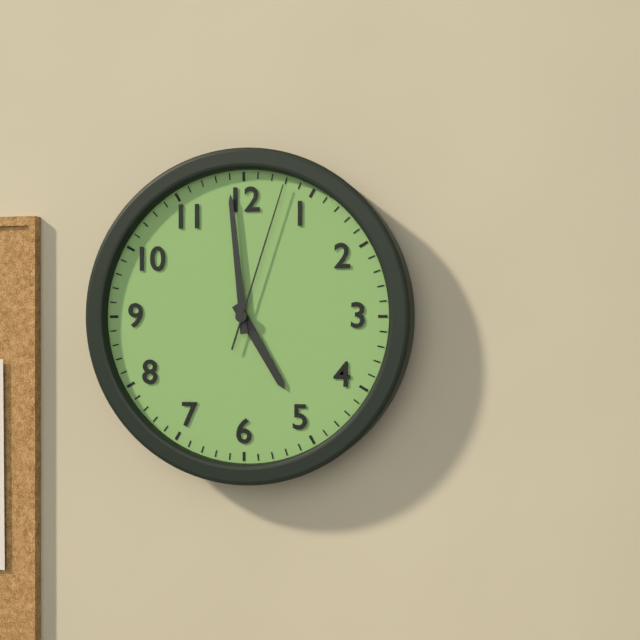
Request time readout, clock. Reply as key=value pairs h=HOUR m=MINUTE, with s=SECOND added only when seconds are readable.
h=4 m=59 s=3
